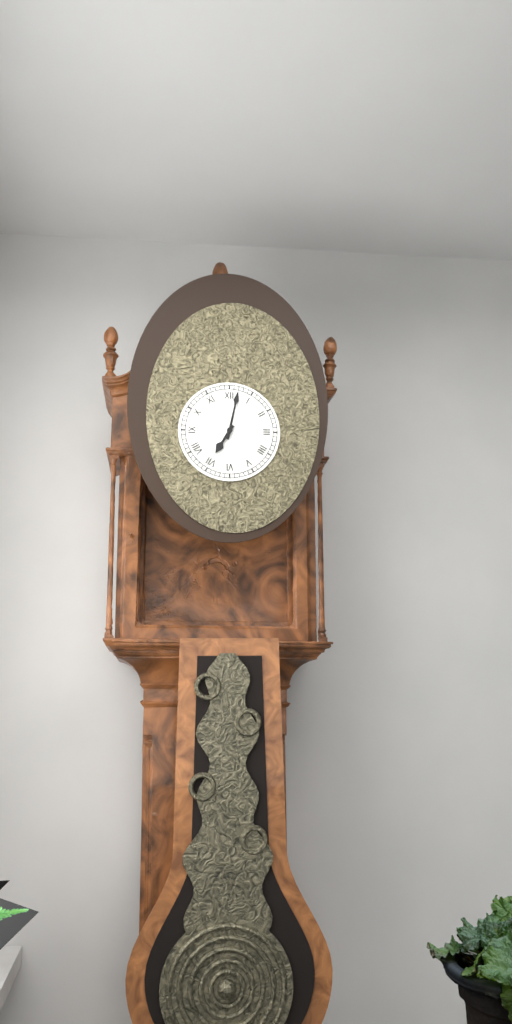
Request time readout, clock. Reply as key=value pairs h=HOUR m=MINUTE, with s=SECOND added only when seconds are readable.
h=7 m=2
